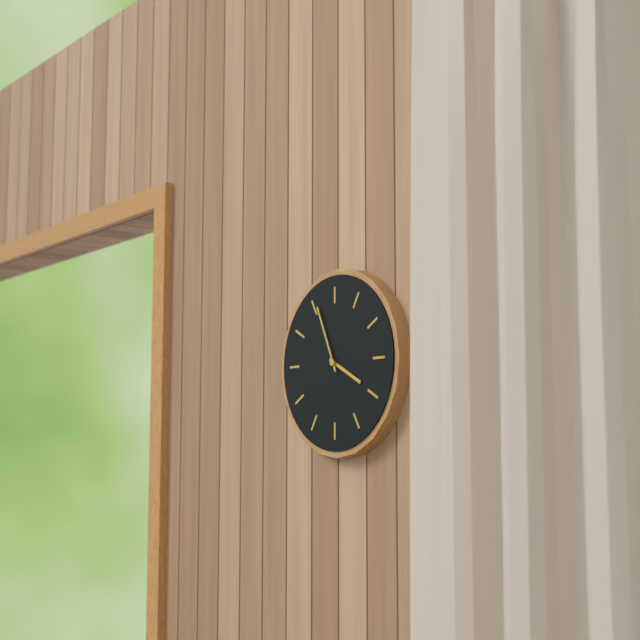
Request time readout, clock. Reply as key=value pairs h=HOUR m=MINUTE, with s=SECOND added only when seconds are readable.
h=3 m=56
